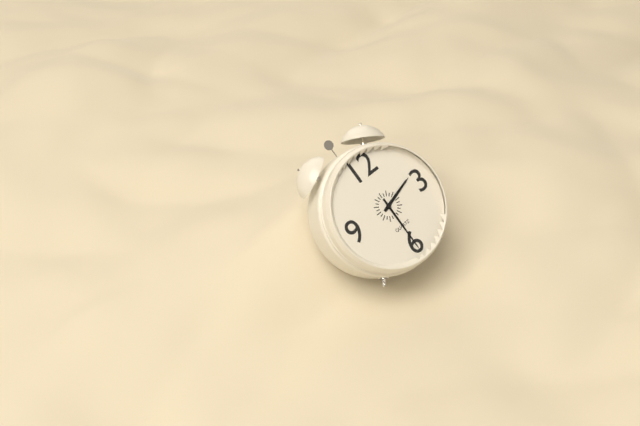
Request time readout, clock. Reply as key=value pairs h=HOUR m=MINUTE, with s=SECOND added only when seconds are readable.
h=2 m=30
